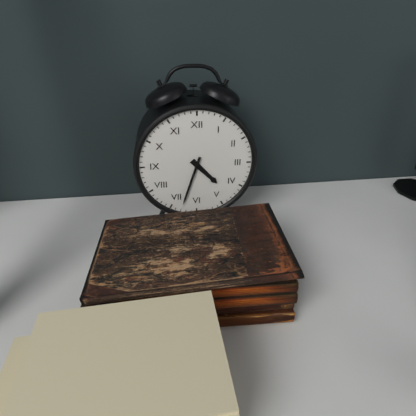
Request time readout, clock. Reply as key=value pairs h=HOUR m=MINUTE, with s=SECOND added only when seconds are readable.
h=4 m=33
